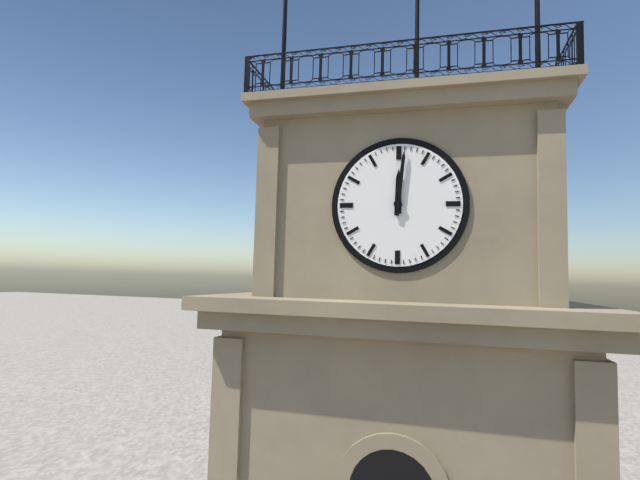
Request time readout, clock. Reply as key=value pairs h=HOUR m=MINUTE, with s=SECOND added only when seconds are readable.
h=12 m=1
